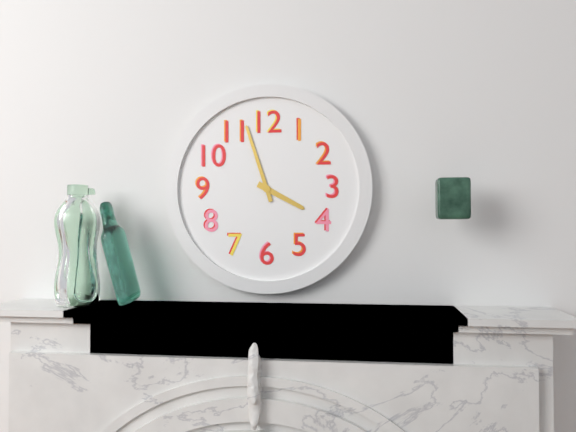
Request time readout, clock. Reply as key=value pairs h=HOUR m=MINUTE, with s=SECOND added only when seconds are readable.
h=3 m=57
